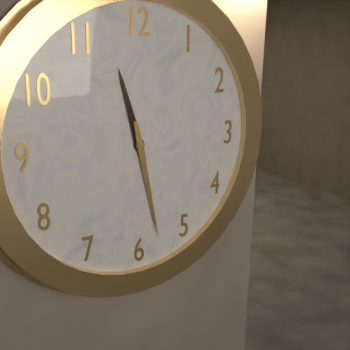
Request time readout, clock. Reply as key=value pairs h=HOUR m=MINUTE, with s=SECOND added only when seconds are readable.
h=11 m=28
